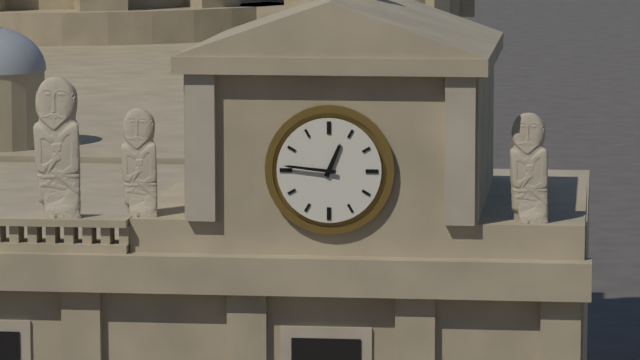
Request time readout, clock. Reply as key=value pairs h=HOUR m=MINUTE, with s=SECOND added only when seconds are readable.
h=12 m=46
